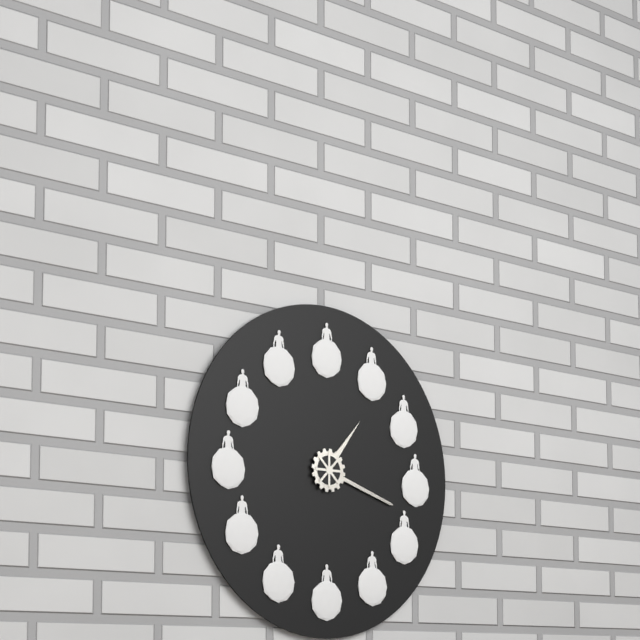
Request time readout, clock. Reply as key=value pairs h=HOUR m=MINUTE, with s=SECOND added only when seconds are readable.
h=1 m=18
